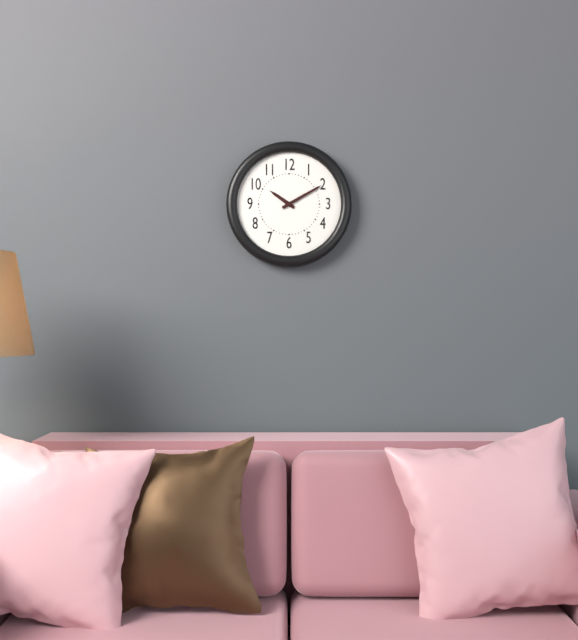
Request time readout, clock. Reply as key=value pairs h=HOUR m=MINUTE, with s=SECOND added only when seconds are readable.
h=10 m=10
